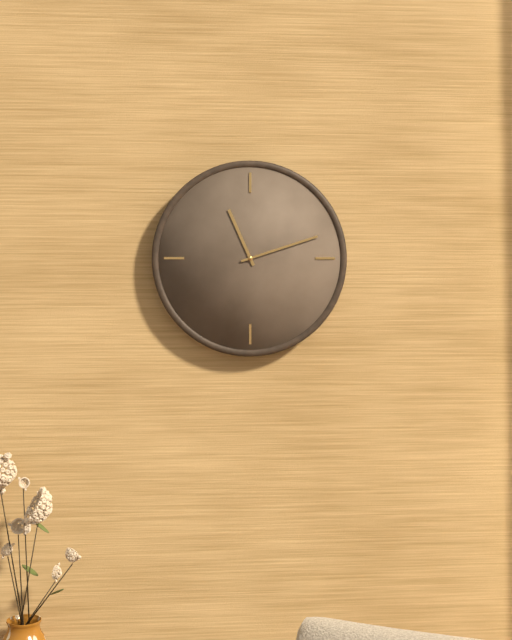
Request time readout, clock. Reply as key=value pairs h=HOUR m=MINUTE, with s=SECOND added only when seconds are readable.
h=11 m=12
